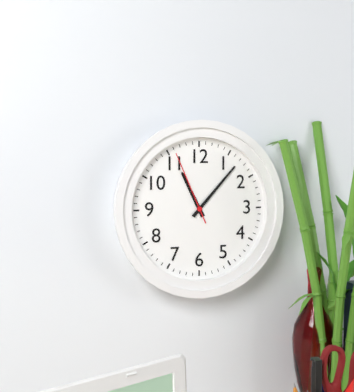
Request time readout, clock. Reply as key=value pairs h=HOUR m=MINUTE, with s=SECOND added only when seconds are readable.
h=11 m=7 s=56
